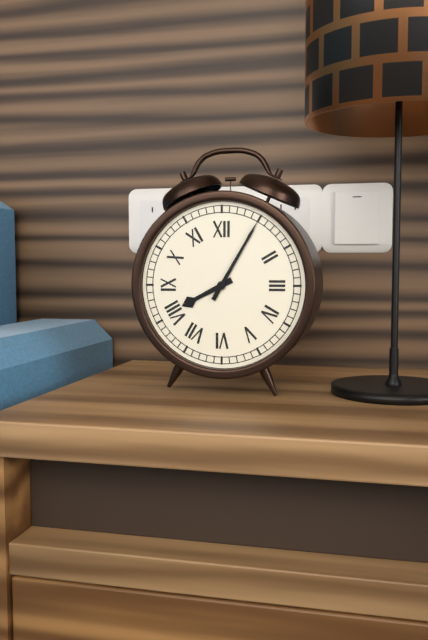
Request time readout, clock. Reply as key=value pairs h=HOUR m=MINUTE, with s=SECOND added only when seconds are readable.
h=8 m=5
